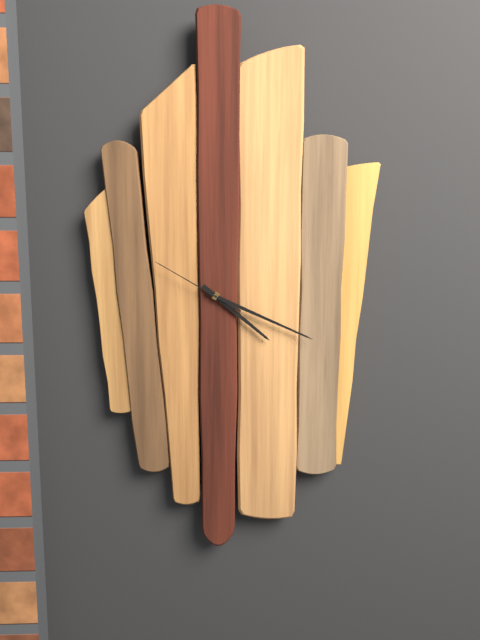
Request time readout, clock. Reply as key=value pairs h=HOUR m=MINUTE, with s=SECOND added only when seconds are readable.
h=4 m=19 s=50
